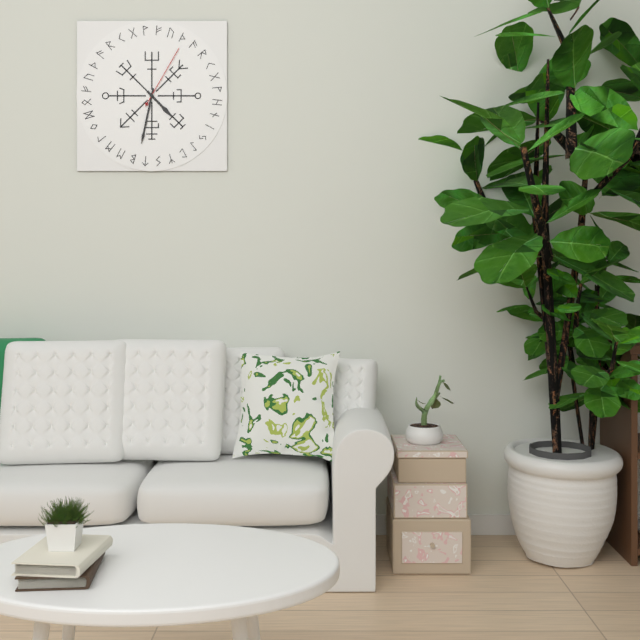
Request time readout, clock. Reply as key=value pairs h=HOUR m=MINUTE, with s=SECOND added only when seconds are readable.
h=4 m=32 s=5
